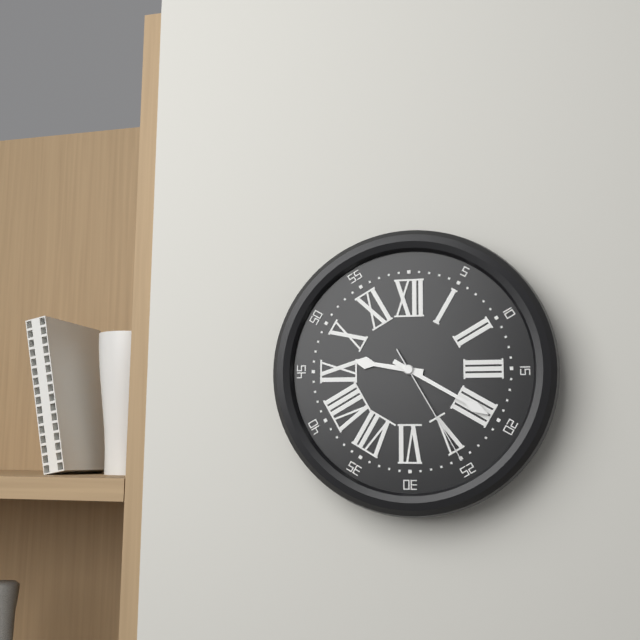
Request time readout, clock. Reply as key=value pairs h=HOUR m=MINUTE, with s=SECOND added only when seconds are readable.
h=9 m=20 s=25
